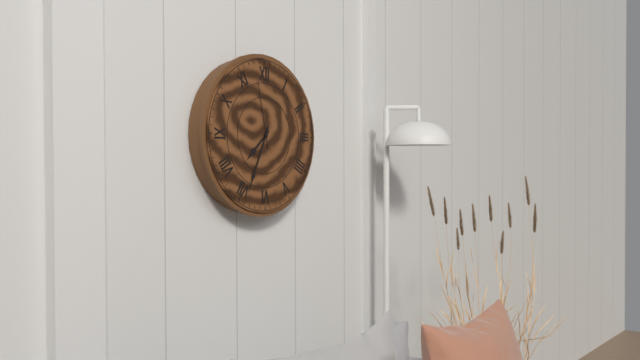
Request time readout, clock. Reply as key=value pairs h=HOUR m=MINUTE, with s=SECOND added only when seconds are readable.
h=7 m=34 s=58
